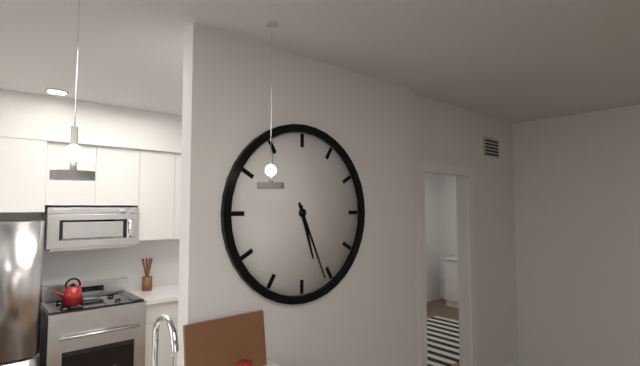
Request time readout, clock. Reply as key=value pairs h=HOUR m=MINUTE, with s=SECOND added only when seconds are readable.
h=5 m=26
